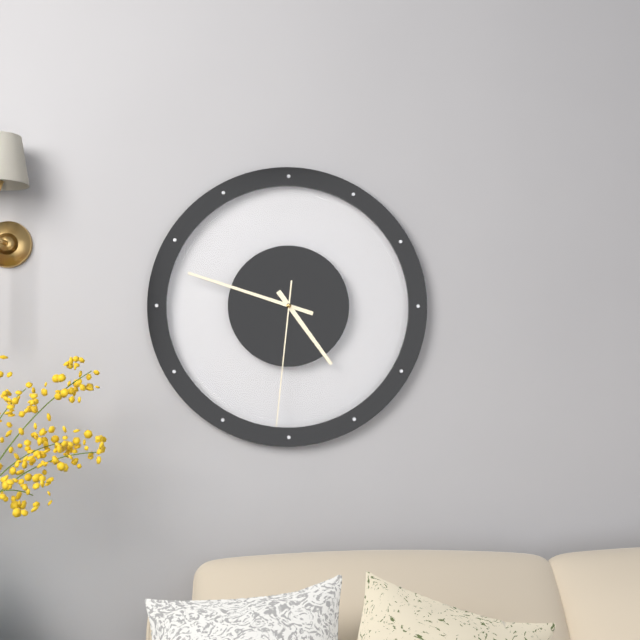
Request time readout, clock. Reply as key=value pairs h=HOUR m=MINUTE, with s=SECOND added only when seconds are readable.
h=4 m=48 s=31
